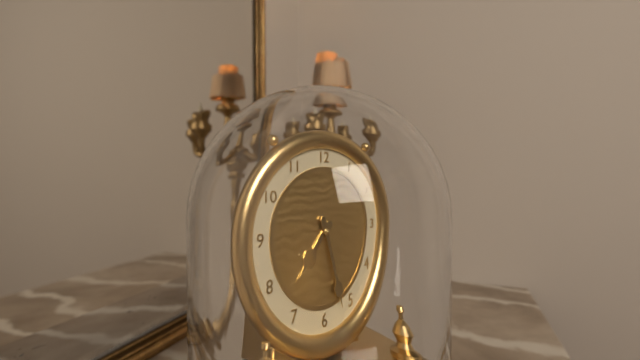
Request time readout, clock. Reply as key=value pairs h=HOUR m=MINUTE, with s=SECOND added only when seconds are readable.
h=7 m=27
